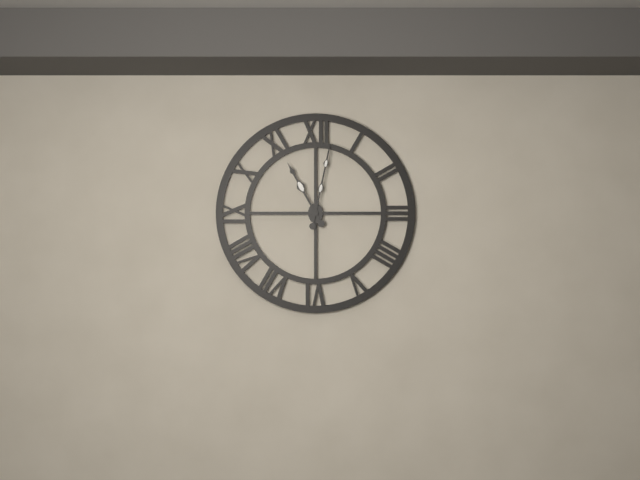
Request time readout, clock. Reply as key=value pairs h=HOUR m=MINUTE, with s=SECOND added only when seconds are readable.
h=11 m=2
